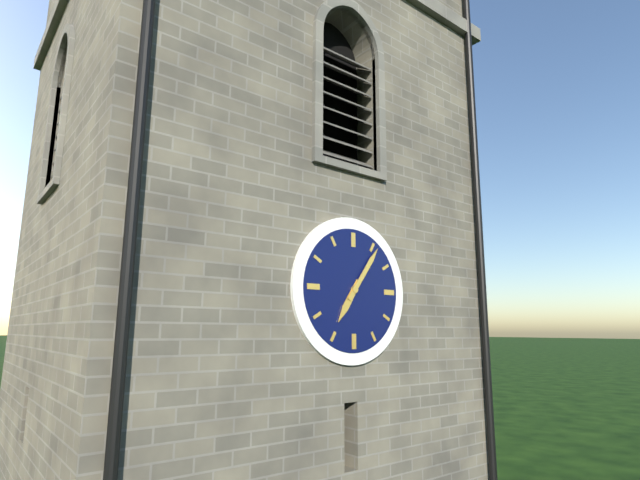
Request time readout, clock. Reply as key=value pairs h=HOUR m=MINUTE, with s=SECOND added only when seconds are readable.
h=7 m=6
